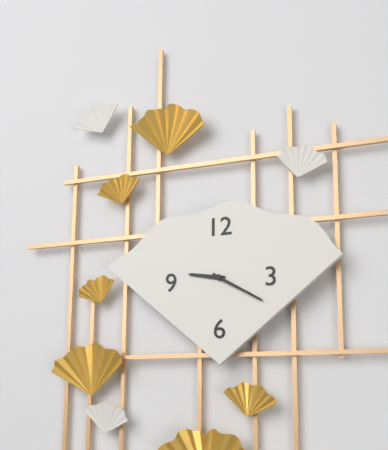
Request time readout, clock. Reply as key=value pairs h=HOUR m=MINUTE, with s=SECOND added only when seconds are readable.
h=9 m=20
